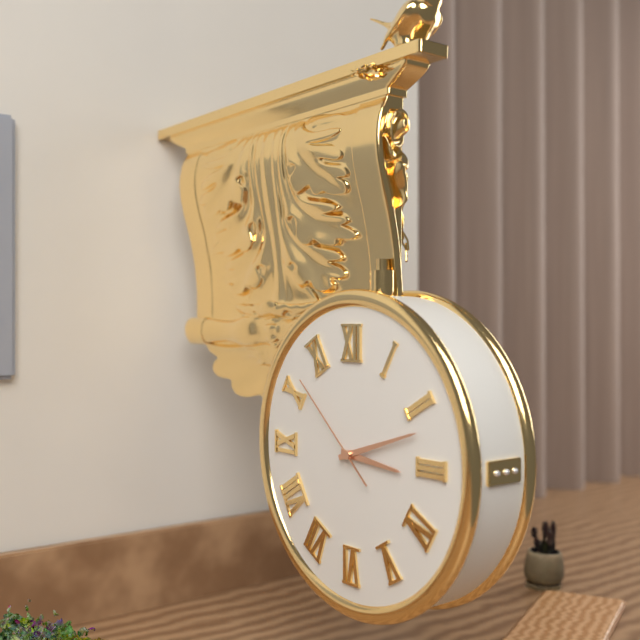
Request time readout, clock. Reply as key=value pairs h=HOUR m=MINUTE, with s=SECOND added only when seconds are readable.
h=3 m=12 s=52
